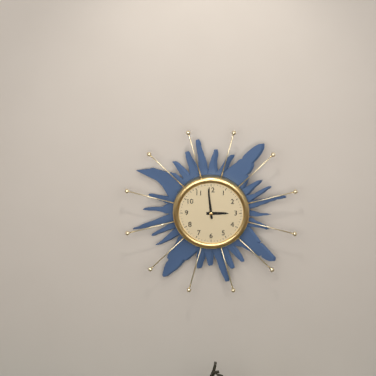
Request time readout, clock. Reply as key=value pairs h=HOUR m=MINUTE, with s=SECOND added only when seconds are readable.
h=2 m=59
